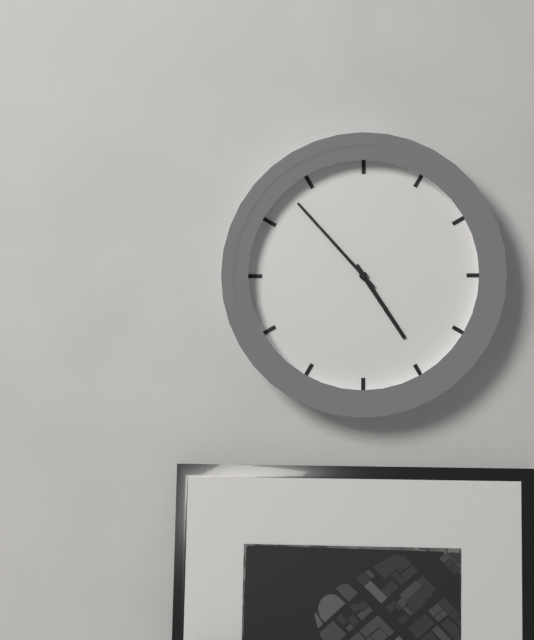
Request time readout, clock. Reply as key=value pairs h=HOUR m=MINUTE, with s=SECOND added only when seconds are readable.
h=4 m=53
